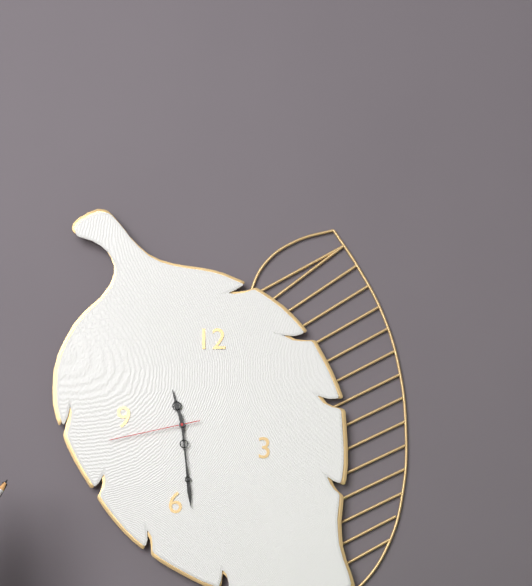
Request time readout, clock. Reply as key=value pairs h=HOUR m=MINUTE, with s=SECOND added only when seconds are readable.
h=11 m=29 s=43
